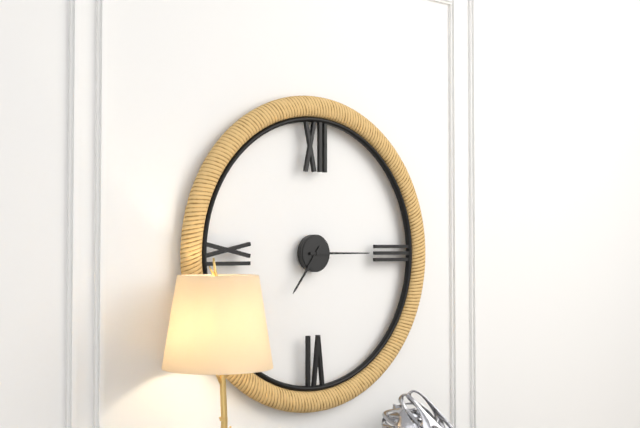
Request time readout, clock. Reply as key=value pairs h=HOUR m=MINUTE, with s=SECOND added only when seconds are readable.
h=7 m=15
